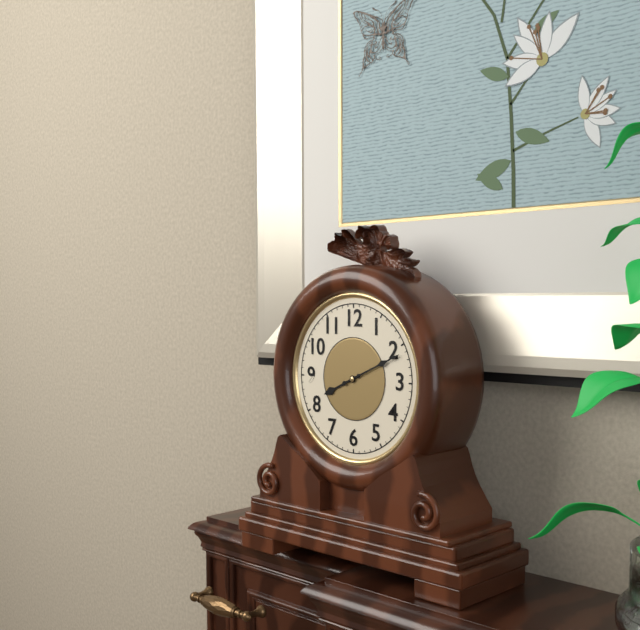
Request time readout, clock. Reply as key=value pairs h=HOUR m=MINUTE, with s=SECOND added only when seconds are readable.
h=8 m=11
